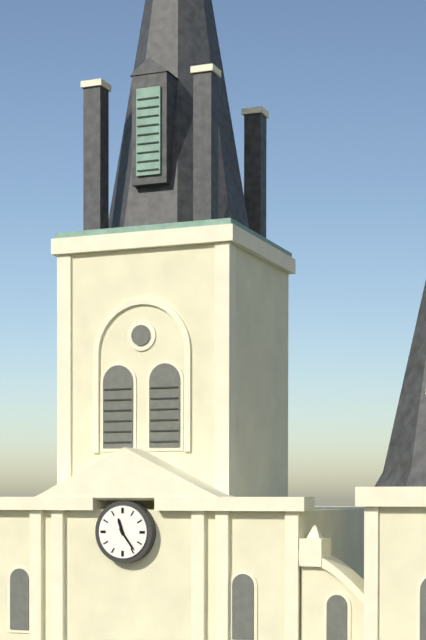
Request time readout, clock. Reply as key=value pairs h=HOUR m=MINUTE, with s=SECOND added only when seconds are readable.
h=11 m=24
